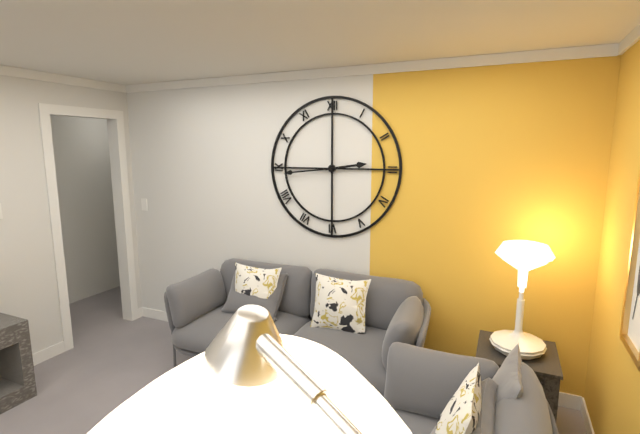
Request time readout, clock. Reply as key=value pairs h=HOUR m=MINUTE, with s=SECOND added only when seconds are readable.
h=2 m=44
